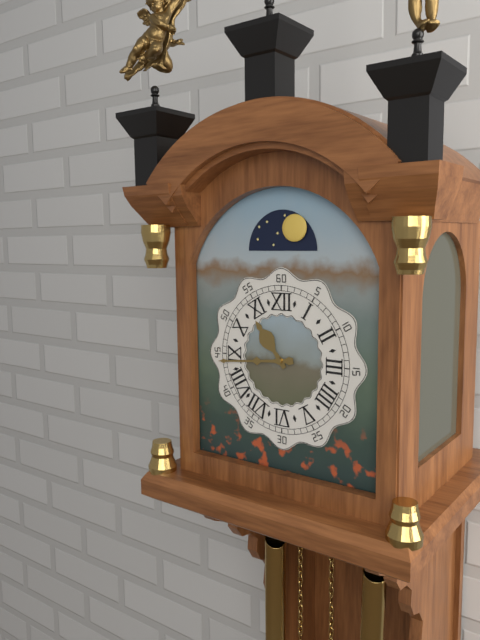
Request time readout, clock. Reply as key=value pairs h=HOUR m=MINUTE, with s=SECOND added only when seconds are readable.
h=10 m=44
